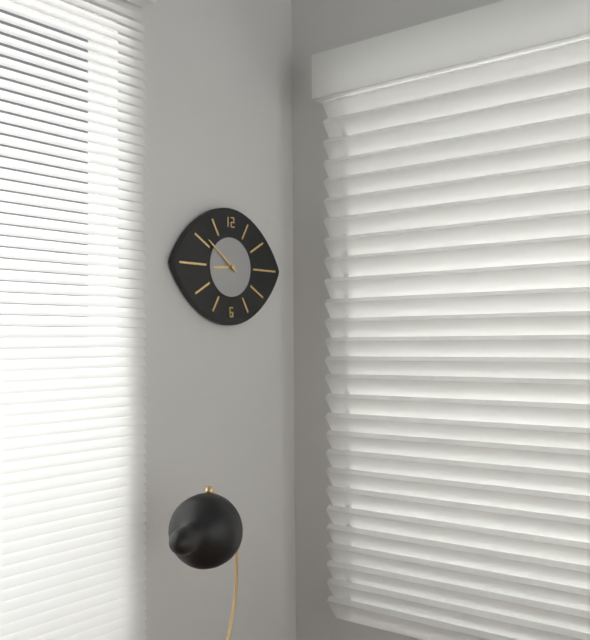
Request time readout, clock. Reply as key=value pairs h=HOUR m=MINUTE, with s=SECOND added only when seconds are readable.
h=8 m=51
